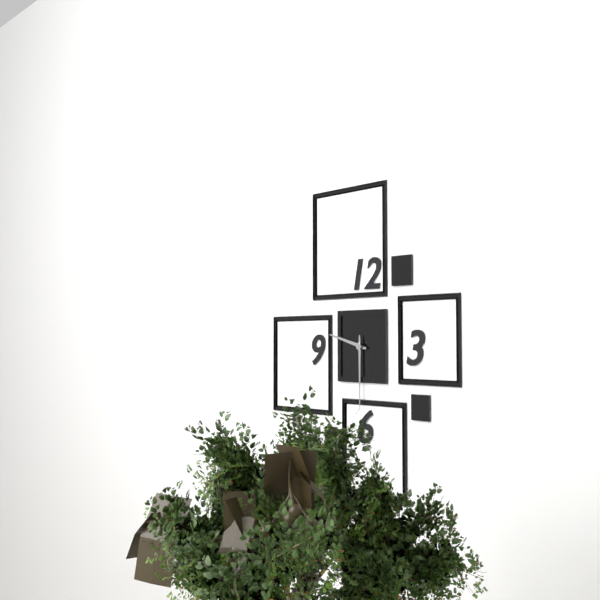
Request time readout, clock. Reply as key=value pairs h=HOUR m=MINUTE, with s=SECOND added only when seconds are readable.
h=9 m=30
